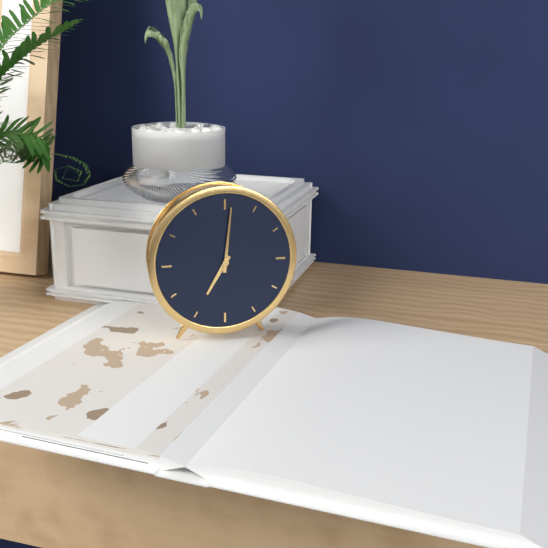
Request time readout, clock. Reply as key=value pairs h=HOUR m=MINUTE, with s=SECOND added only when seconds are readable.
h=7 m=1
